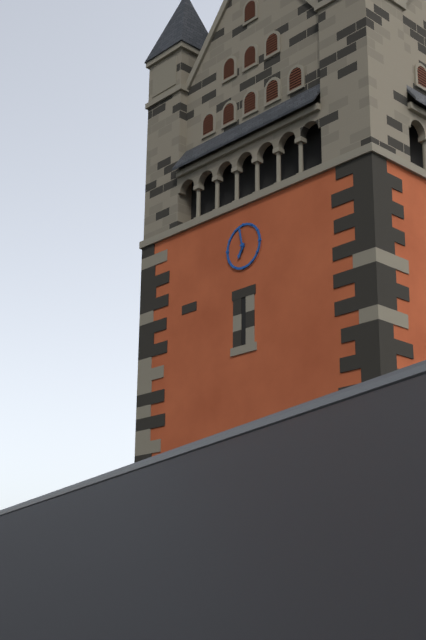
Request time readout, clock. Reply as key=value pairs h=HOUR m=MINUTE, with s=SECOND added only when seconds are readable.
h=6 m=58
